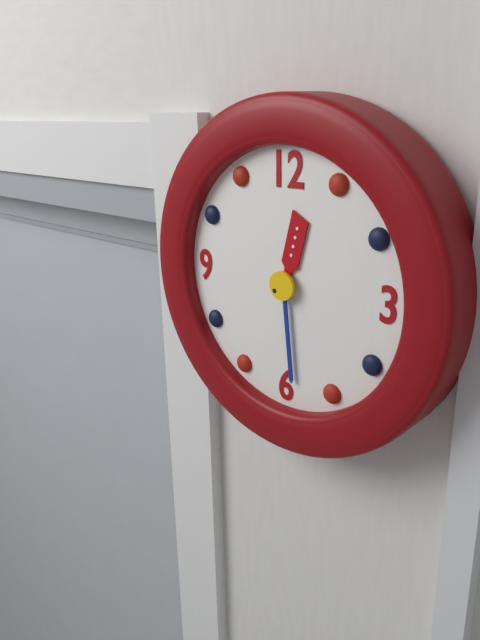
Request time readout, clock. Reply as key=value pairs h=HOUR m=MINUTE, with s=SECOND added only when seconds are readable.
h=12 m=29
